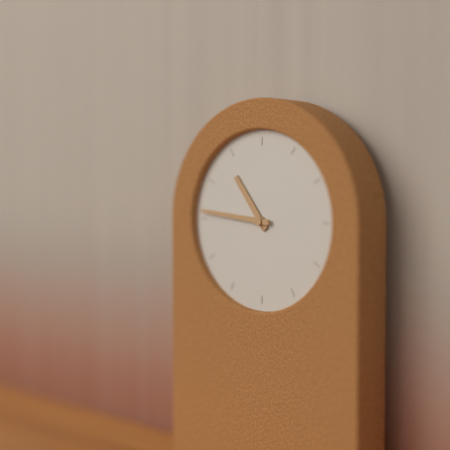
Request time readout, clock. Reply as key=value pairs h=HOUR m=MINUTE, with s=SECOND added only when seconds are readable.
h=10 m=46
